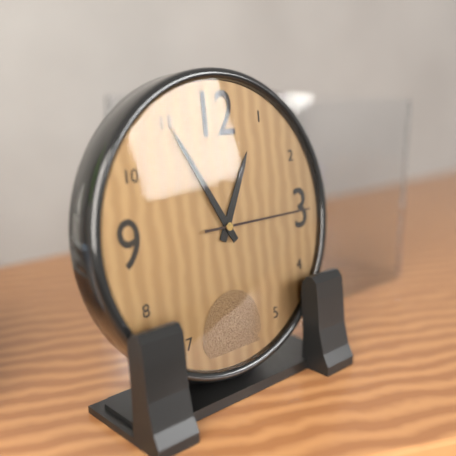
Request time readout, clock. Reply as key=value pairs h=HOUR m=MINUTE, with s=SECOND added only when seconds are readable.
h=12 m=55 s=15
